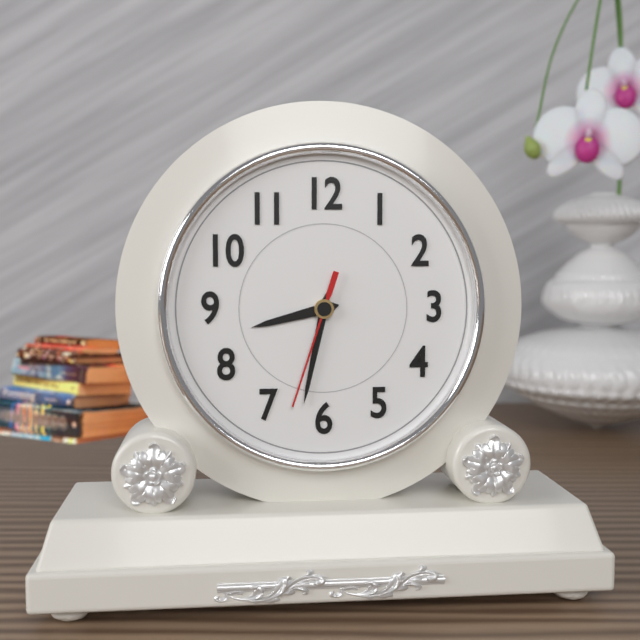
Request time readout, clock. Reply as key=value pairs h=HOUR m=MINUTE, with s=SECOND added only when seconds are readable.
h=8 m=32 s=33
